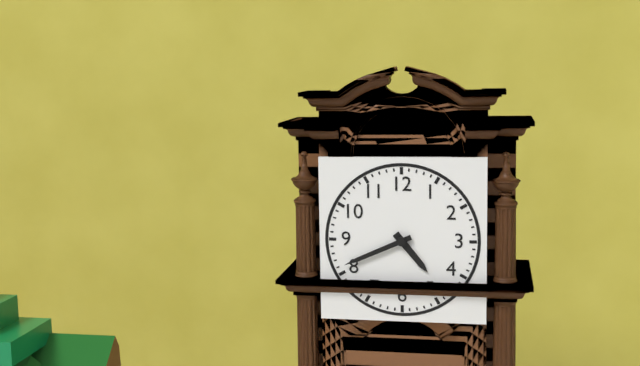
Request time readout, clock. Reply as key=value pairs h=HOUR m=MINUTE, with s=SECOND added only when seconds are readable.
h=4 m=41
